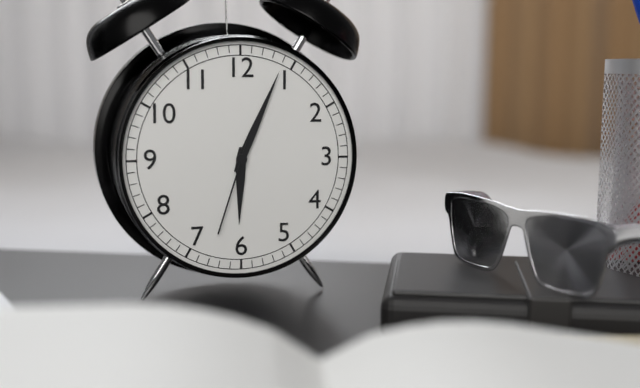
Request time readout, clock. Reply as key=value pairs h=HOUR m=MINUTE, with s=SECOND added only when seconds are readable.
h=6 m=4 s=33
